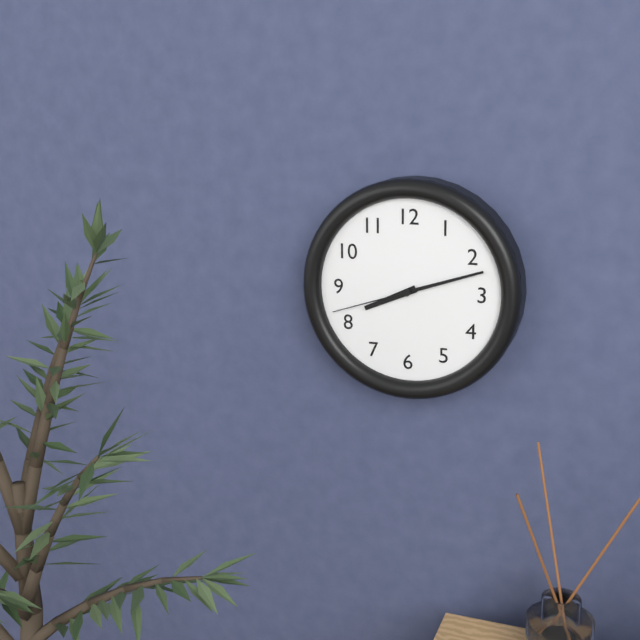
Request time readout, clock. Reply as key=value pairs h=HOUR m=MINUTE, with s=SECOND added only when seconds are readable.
h=8 m=12 s=42
